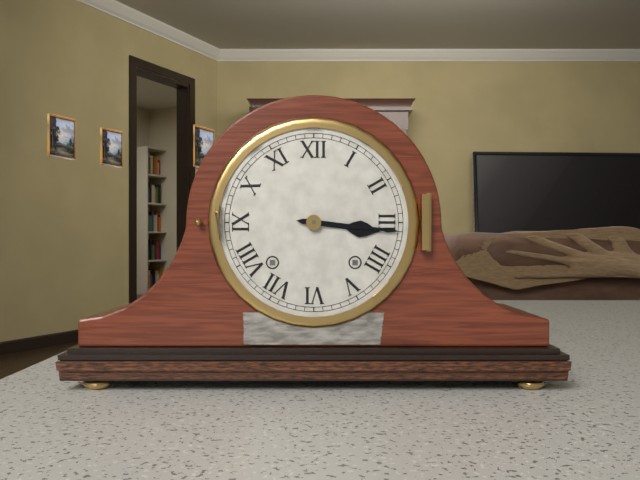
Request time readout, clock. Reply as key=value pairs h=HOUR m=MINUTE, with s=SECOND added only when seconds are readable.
h=3 m=16
